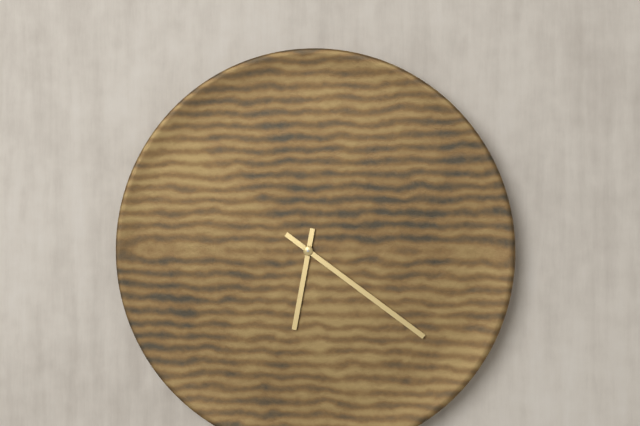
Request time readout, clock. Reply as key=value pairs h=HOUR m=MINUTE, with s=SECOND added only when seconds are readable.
h=6 m=21
